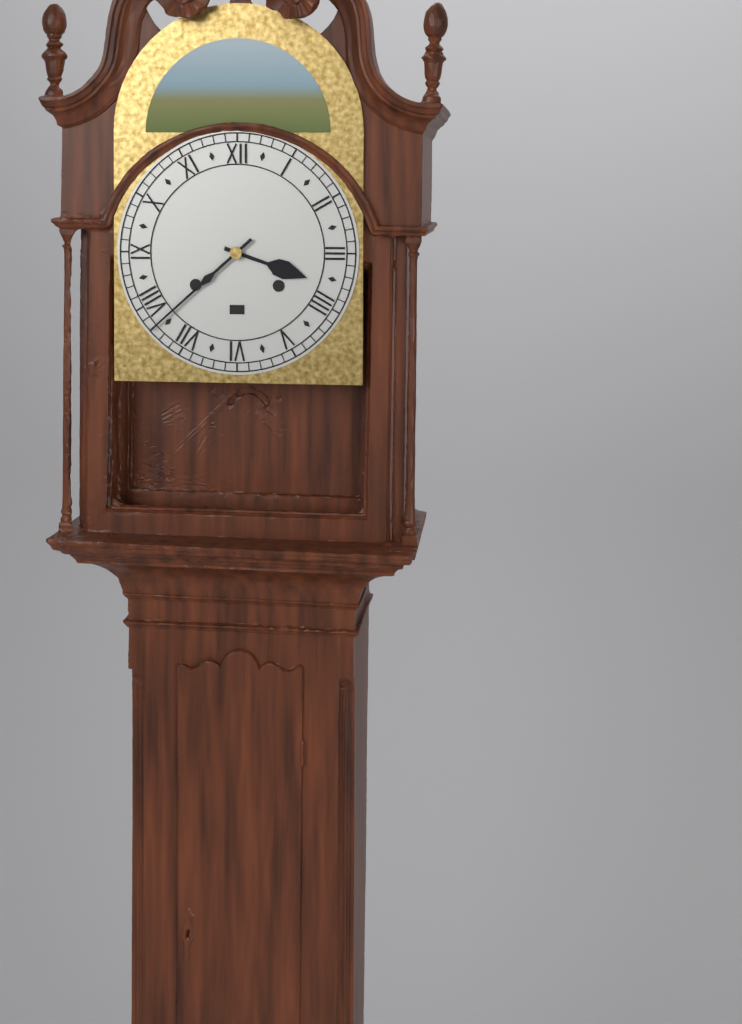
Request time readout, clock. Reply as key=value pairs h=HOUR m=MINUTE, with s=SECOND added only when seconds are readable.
h=3 m=38
